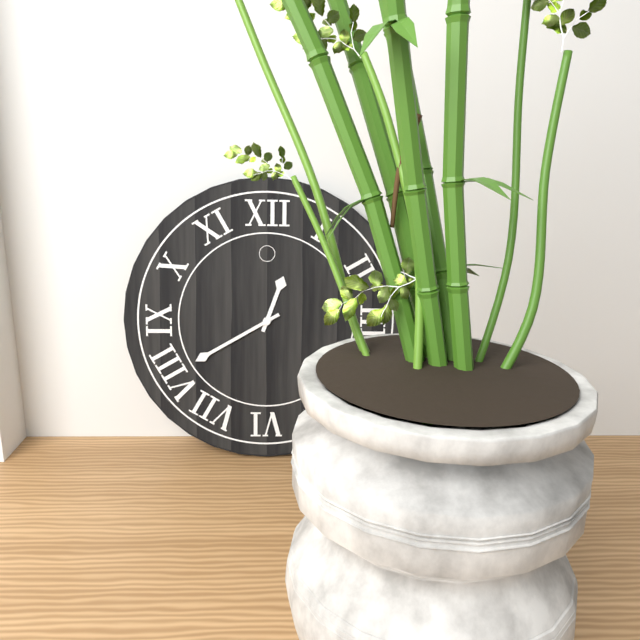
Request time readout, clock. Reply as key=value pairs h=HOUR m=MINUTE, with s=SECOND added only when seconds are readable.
h=12 m=40
